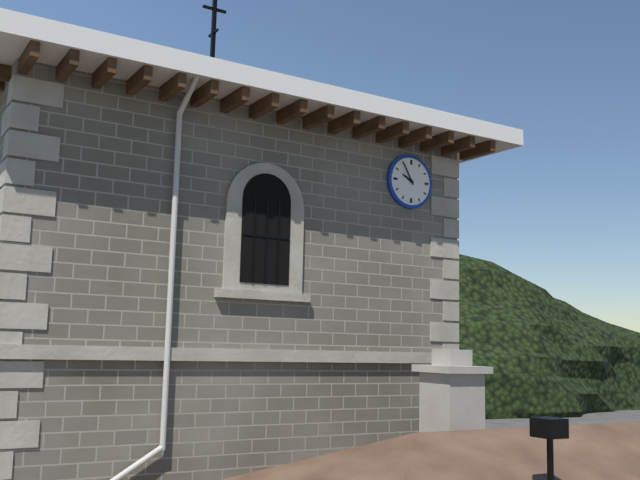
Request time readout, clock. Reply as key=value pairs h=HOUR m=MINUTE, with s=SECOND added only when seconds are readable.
h=9 m=55
